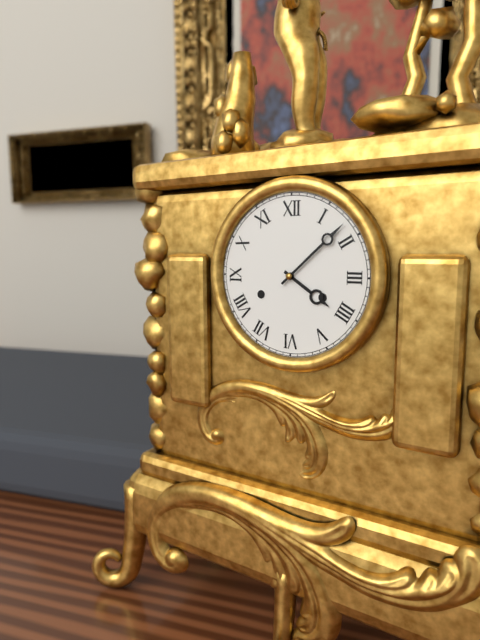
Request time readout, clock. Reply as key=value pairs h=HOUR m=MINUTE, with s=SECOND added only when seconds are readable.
h=4 m=8
